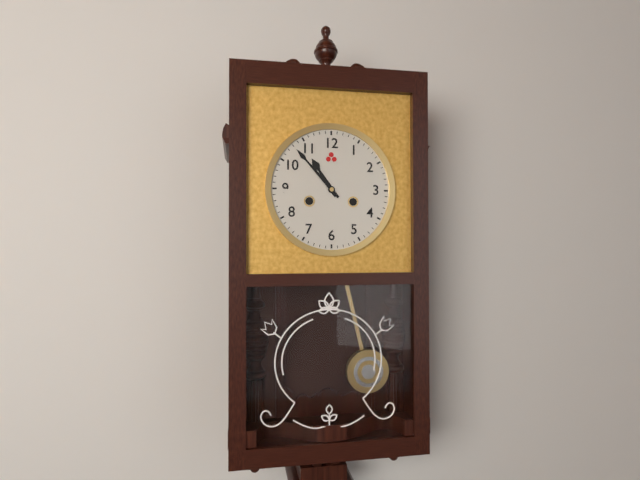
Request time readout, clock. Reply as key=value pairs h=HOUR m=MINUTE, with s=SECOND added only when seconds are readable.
h=10 m=53
